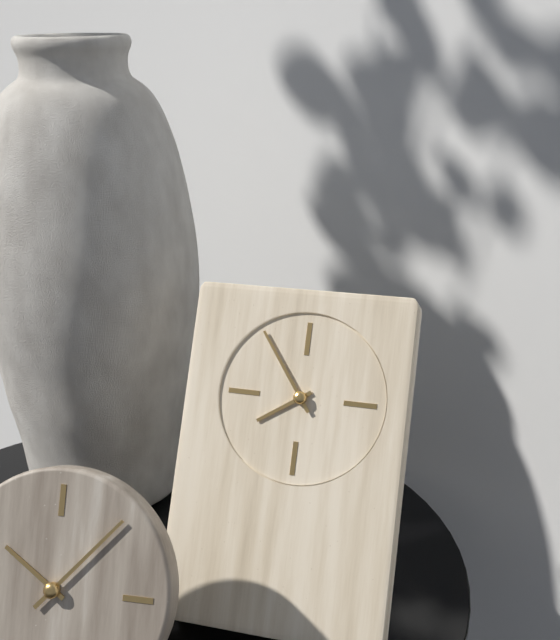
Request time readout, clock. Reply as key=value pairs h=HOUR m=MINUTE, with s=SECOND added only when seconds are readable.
h=7 m=54
